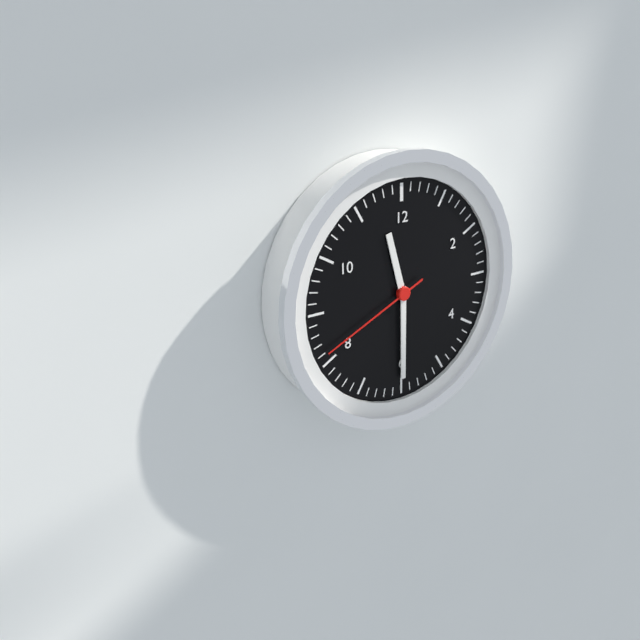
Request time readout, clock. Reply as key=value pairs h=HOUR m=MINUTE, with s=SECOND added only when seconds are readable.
h=11 m=30 s=41
